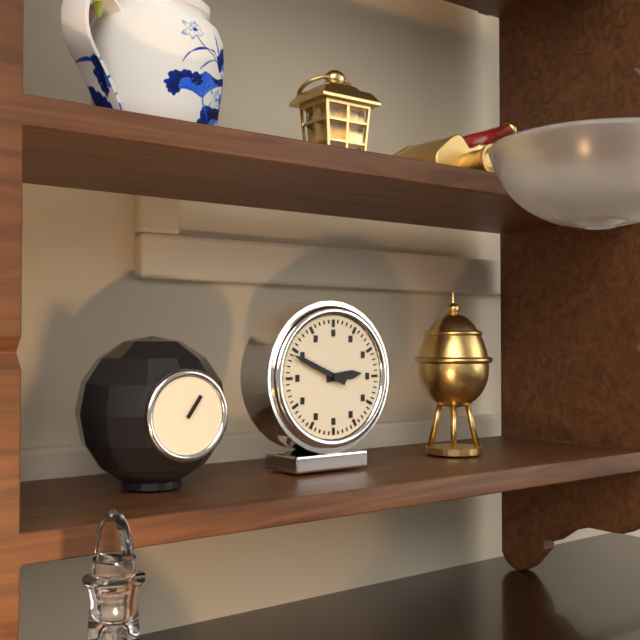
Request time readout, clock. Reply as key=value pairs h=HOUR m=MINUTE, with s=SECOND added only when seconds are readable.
h=2 m=49
